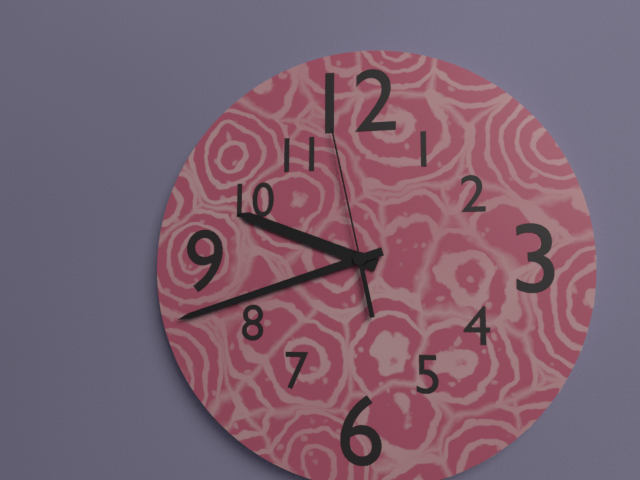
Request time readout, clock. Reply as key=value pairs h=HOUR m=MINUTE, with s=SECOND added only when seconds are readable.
h=9 m=42 s=58
